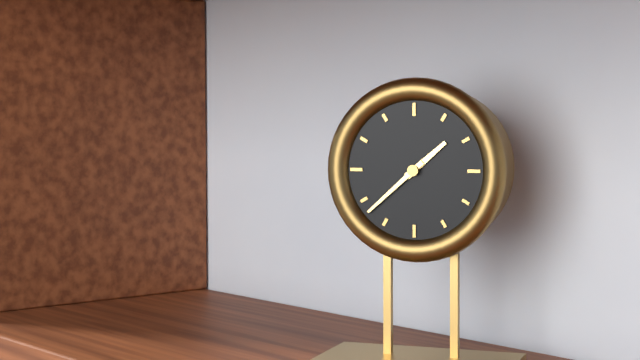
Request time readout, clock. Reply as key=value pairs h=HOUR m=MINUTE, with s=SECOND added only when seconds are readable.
h=1 m=38
